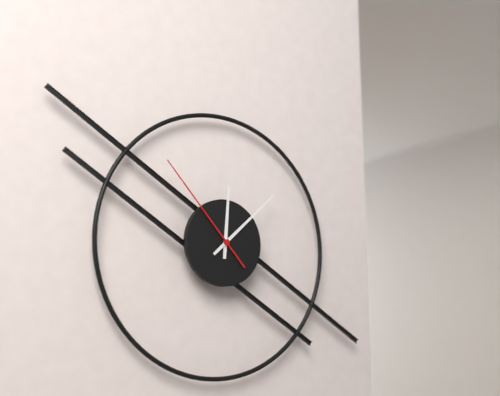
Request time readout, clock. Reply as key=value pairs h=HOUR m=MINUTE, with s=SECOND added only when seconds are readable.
h=12 m=8 s=53
